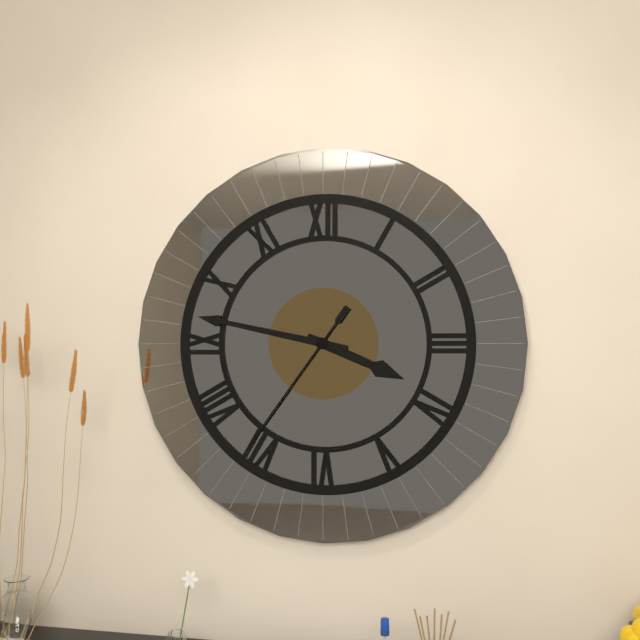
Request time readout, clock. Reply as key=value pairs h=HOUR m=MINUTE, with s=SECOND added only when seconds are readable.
h=3 m=47 s=36
